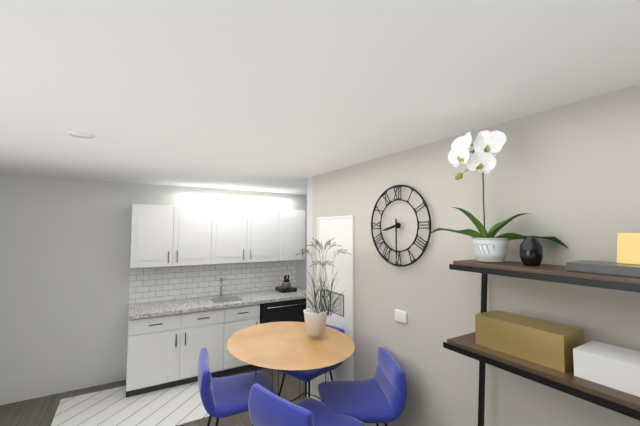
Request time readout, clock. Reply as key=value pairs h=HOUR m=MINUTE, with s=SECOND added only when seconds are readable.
h=8 m=30
